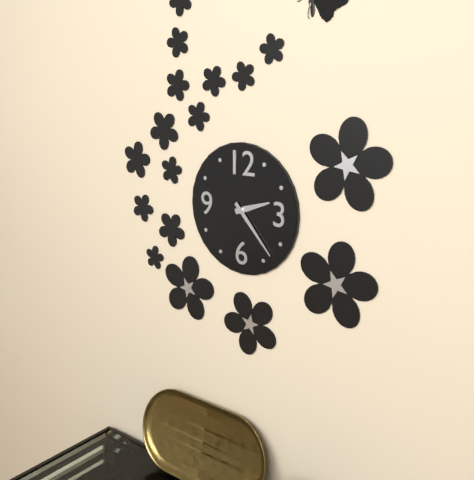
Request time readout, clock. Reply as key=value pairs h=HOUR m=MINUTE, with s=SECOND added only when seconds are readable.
h=2 m=23
